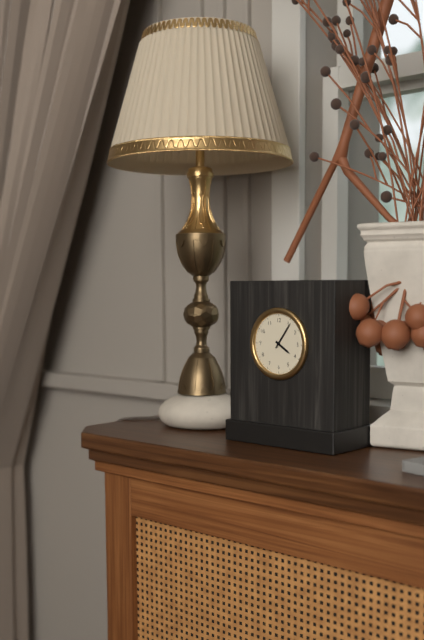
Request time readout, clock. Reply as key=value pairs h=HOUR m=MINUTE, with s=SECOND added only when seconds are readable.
h=4 m=6
